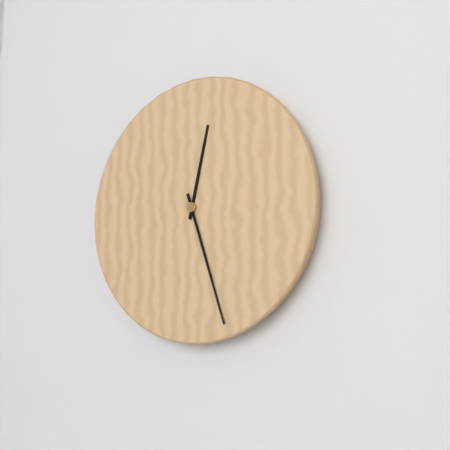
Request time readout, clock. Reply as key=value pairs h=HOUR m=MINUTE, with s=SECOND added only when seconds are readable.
h=12 m=27
